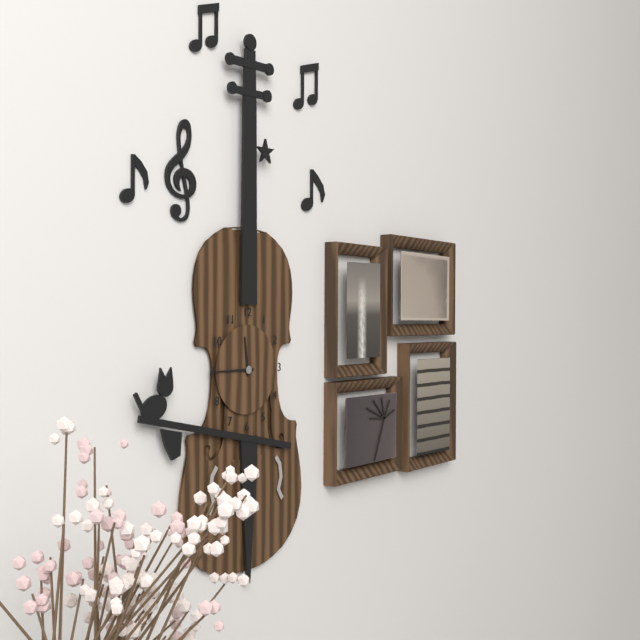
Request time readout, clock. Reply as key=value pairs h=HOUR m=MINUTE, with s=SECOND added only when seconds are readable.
h=11 m=45
